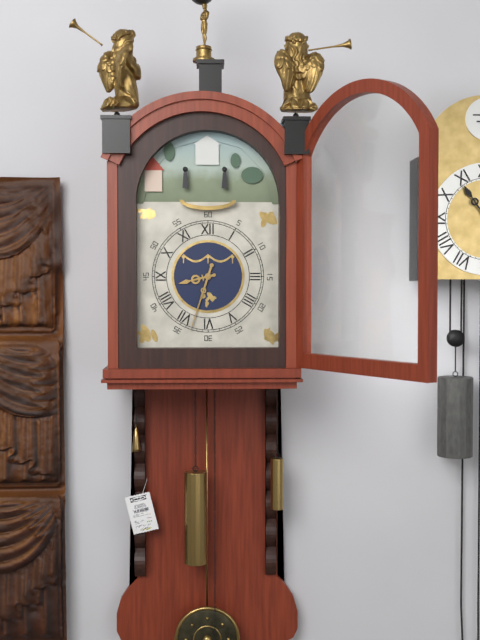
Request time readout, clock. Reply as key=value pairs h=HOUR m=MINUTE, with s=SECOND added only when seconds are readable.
h=8 m=33
